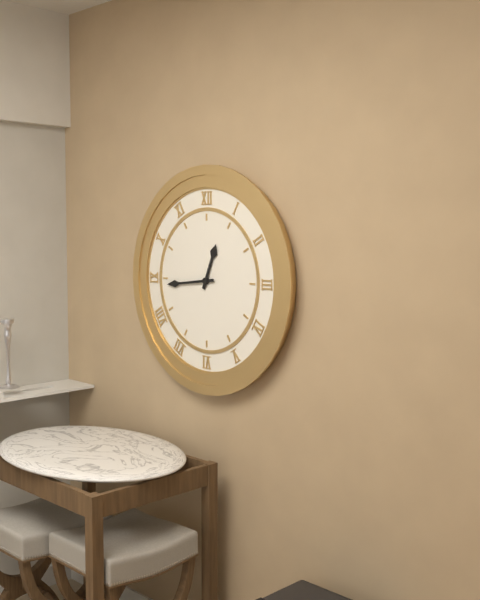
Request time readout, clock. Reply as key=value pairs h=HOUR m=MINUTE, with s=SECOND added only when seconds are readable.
h=12 m=44
